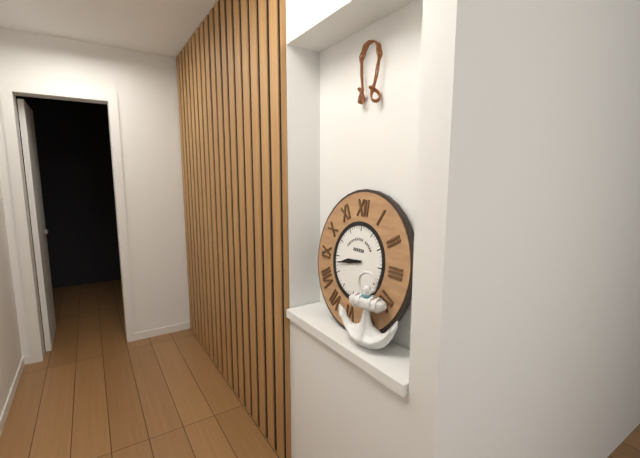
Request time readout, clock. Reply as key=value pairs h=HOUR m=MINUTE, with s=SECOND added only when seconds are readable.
h=8 m=43
